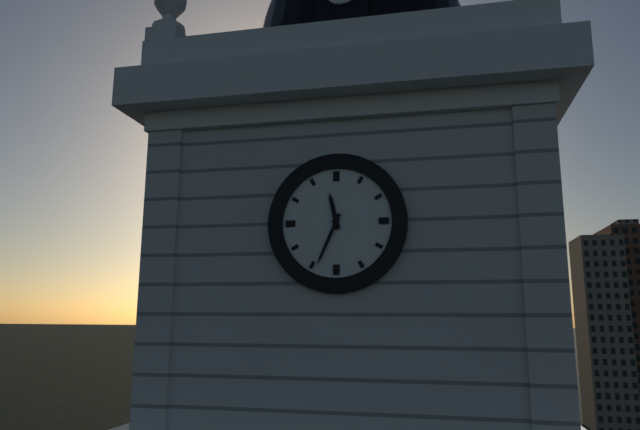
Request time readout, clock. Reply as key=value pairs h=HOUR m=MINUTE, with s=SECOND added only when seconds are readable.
h=11 m=34
